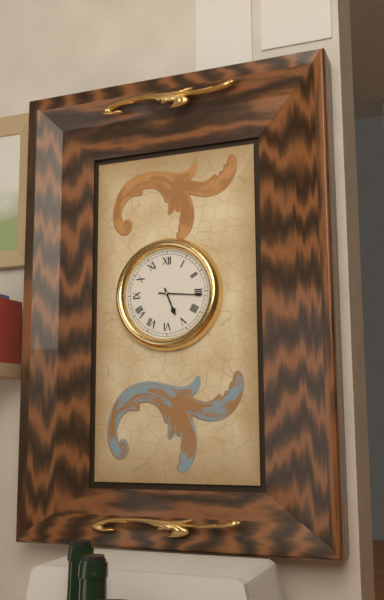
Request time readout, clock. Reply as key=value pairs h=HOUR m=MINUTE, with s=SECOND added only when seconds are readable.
h=5 m=16
